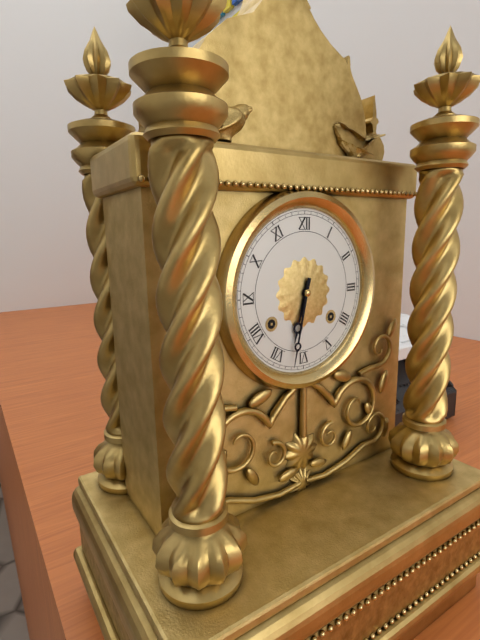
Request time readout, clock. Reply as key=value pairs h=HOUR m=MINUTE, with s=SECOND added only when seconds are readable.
h=6 m=32
